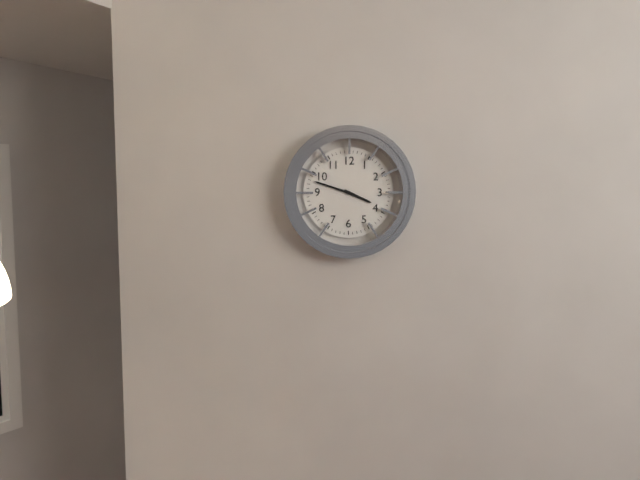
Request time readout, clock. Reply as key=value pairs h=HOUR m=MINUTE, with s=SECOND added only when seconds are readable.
h=3 m=48
